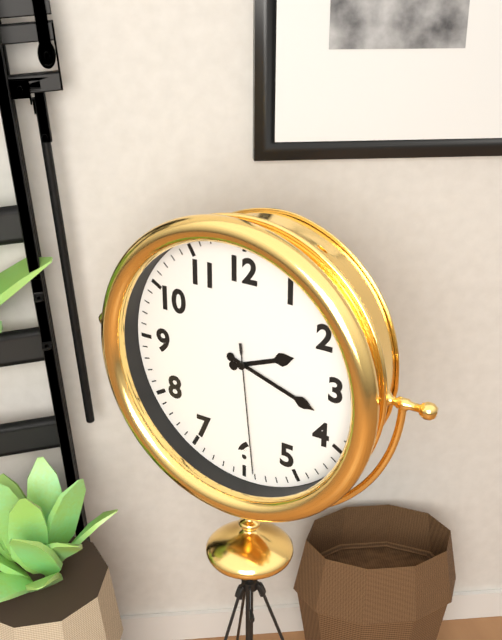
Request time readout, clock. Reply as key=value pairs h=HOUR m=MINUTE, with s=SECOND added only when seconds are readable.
h=2 m=18 s=29
